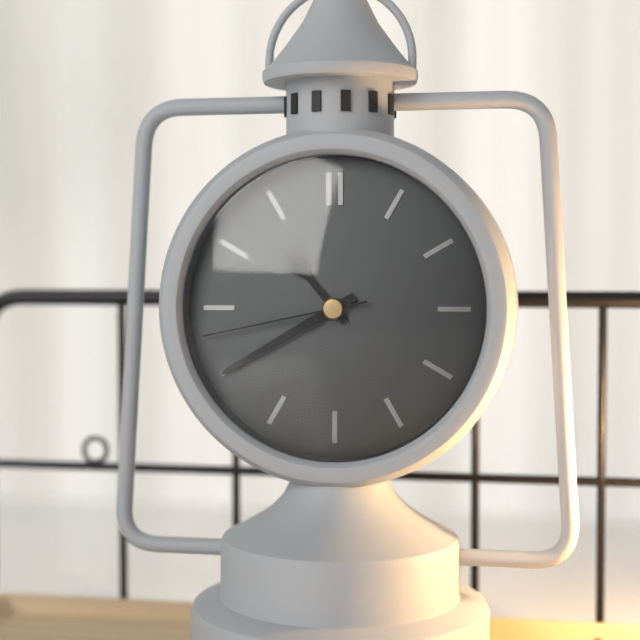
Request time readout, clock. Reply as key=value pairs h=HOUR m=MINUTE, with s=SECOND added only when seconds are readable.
h=10 m=40 s=43
